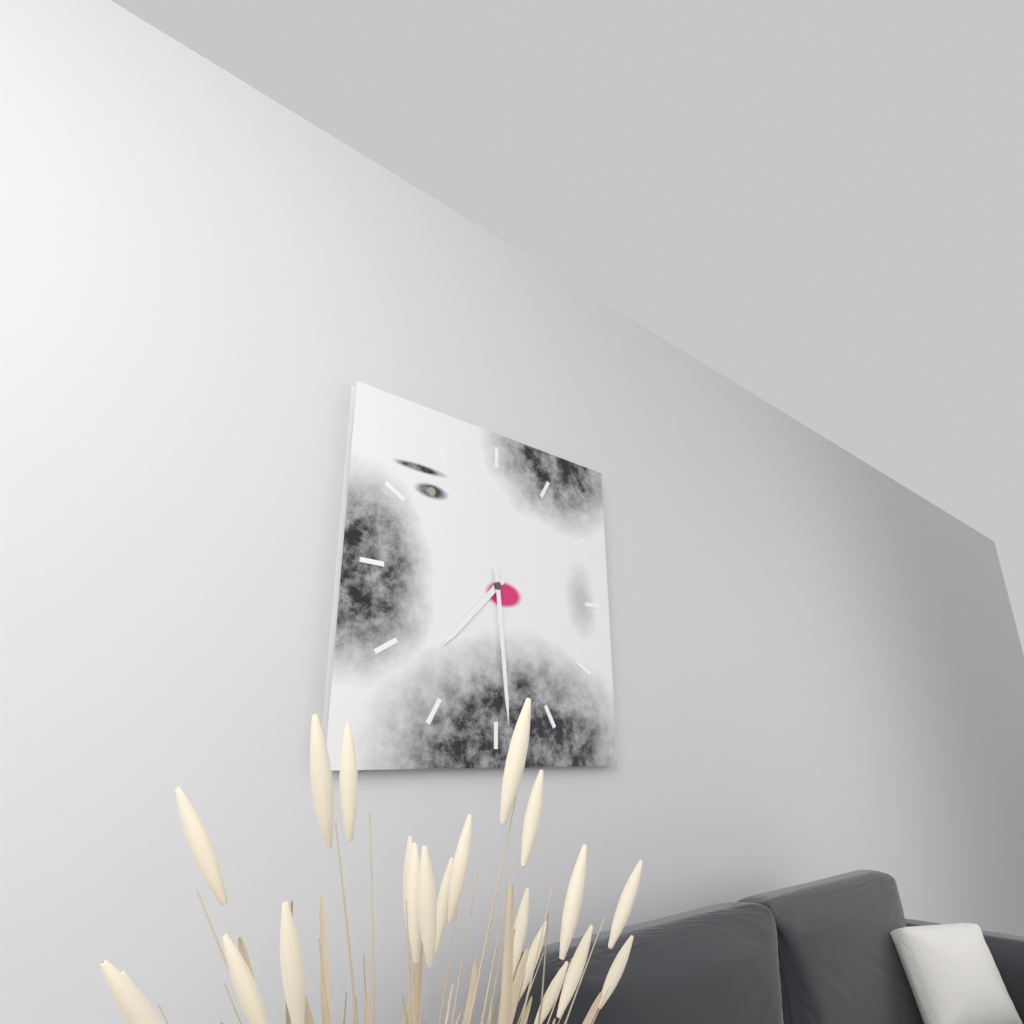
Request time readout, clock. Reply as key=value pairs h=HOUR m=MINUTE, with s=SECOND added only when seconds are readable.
h=7 m=29
